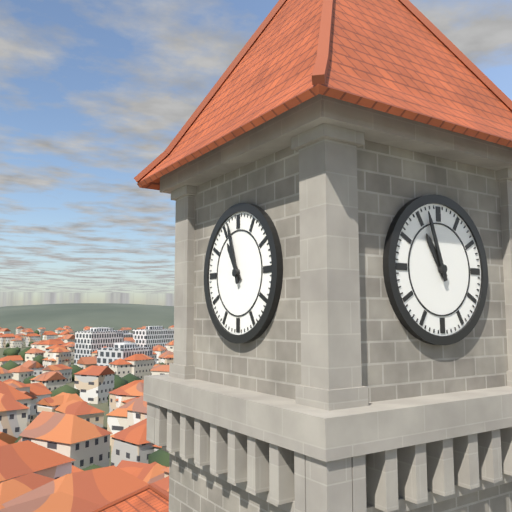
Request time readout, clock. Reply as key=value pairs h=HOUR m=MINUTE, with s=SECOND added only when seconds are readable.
h=10 m=57
